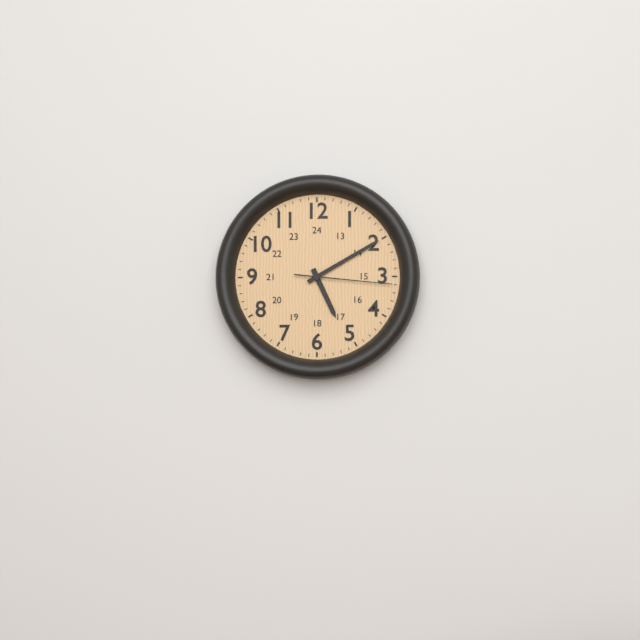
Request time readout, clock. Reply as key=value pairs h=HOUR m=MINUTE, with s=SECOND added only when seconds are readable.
h=5 m=10 s=16
